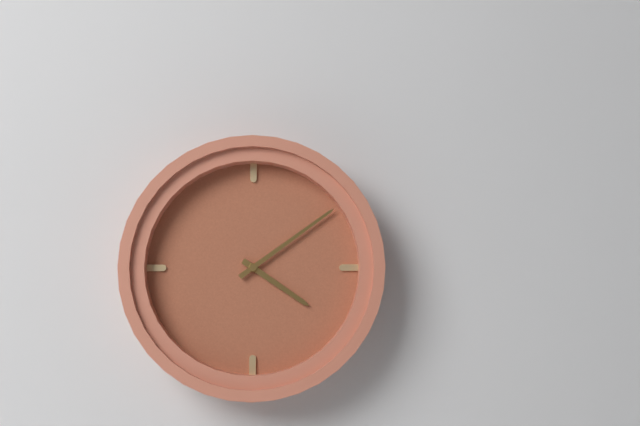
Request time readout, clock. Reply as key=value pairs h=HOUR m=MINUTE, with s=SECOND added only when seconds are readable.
h=4 m=9
